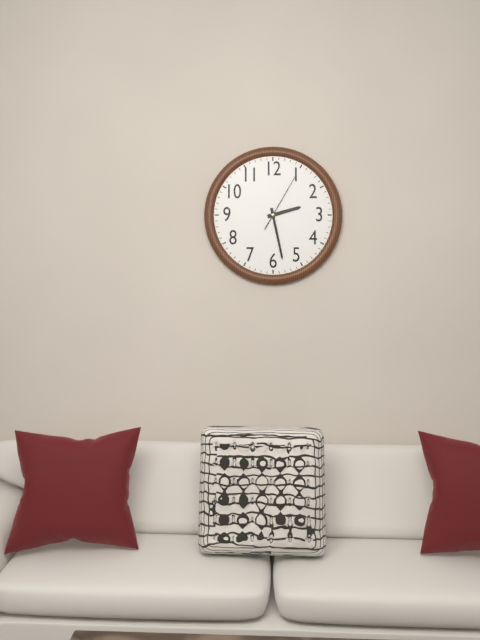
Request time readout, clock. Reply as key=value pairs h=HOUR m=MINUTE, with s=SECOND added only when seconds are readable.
h=2 m=28 s=5
